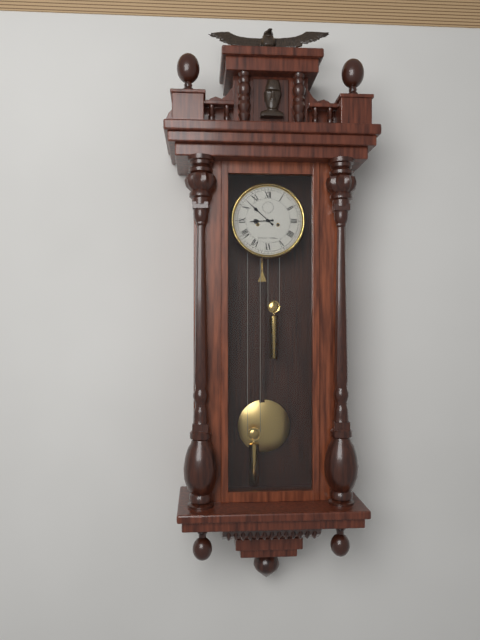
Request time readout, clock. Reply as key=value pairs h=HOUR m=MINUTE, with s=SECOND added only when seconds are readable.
h=8 m=52
